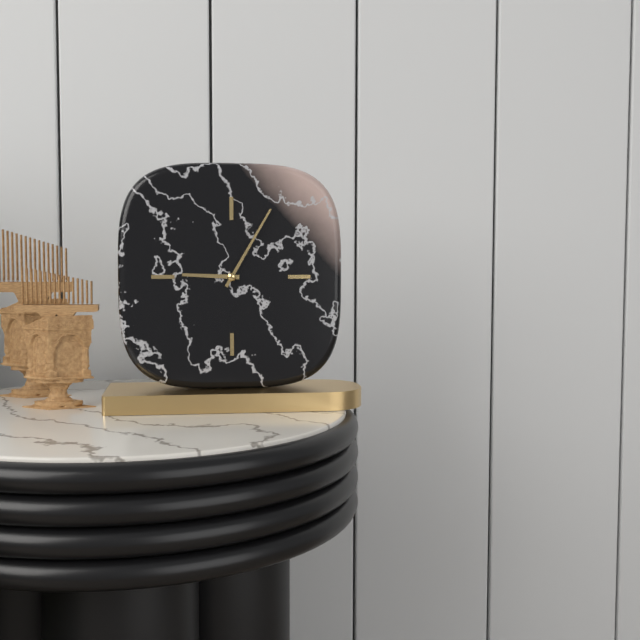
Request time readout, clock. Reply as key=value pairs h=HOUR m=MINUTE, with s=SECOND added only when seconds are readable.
h=9 m=5
